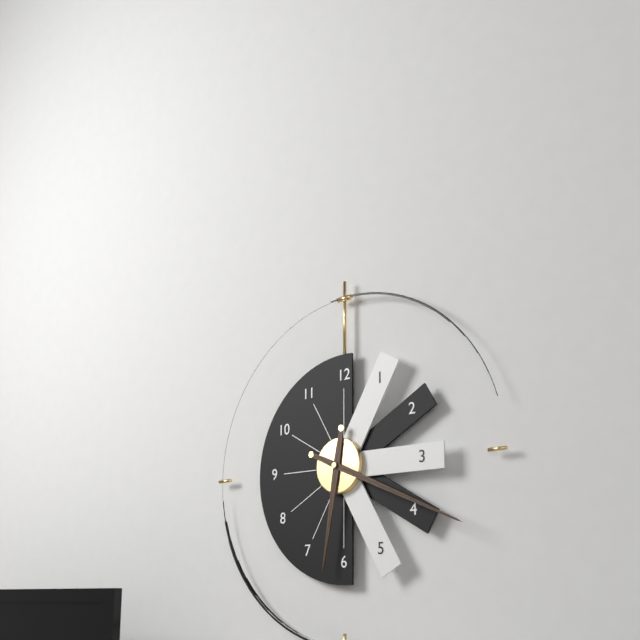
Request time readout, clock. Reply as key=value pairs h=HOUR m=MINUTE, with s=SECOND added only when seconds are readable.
h=6 m=19
